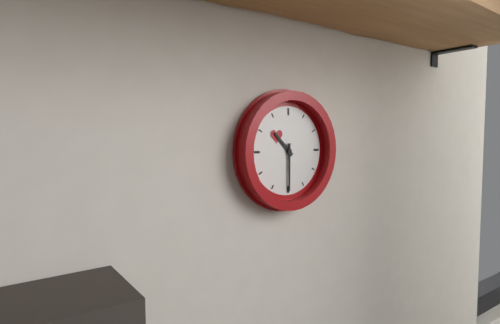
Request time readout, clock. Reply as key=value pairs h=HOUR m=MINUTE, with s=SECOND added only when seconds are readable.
h=10 m=30
